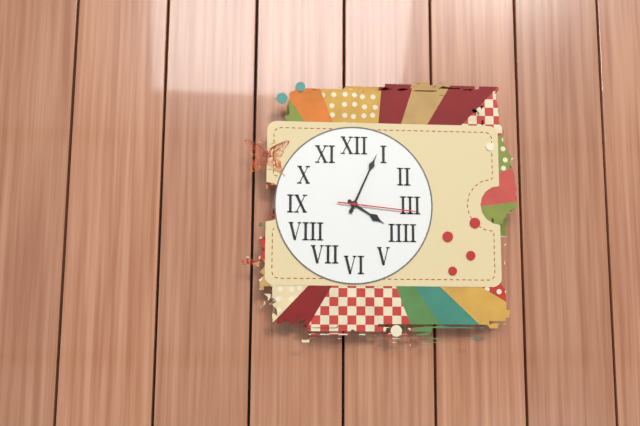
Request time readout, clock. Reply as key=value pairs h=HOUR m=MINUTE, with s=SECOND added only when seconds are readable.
h=4 m=4 s=16
